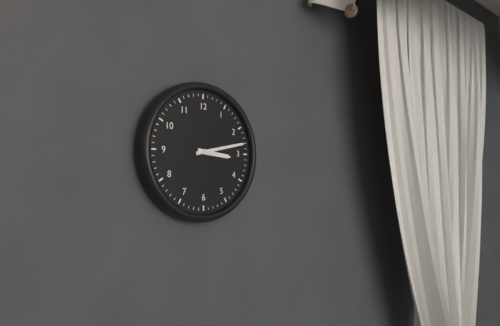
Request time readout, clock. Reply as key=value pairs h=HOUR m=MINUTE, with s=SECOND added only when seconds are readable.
h=3 m=13
